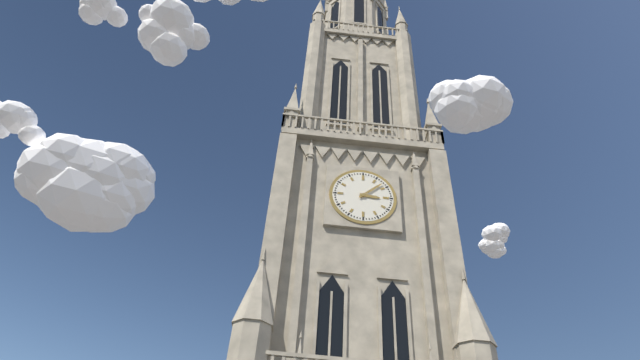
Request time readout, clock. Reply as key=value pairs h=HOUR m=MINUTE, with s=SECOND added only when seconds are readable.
h=3 m=8
